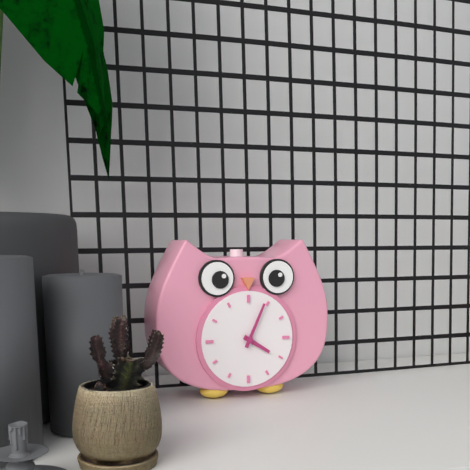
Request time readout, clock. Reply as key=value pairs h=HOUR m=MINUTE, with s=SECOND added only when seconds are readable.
h=4 m=4
